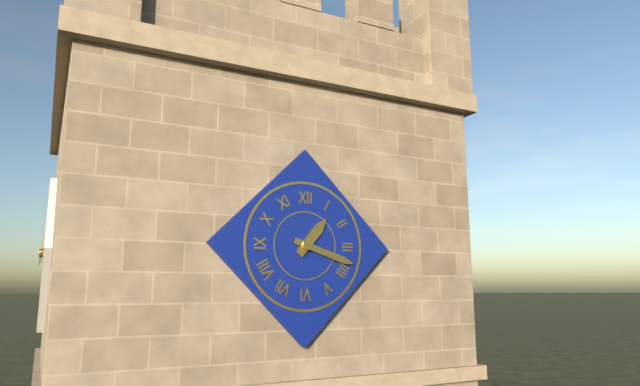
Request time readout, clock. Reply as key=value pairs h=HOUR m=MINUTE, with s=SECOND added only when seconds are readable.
h=1 m=18
